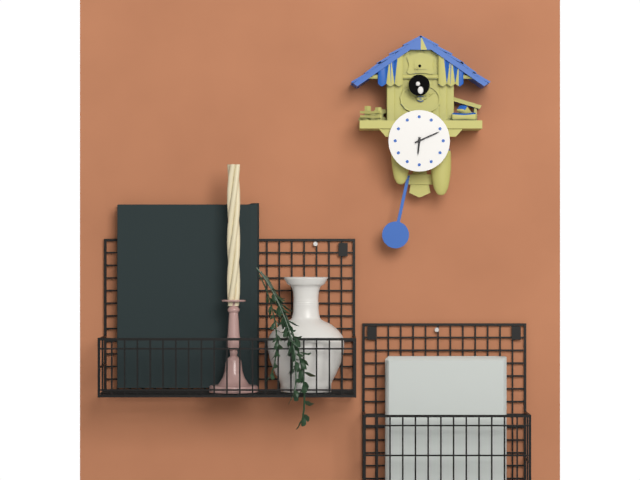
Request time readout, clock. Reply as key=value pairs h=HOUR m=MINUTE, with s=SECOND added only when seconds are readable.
h=6 m=11
